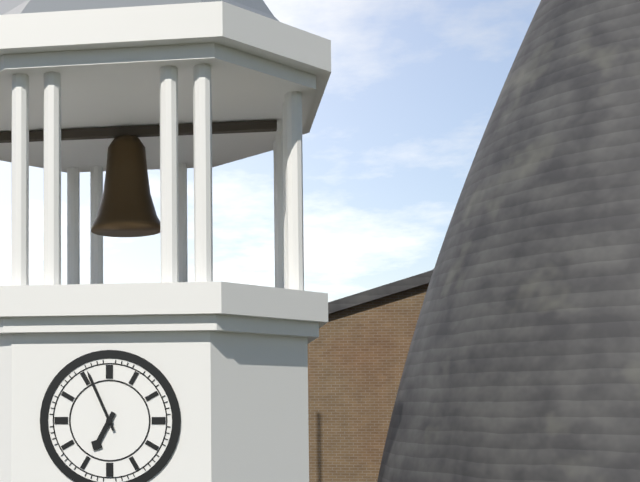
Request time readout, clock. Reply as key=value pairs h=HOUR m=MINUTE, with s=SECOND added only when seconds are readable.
h=6 m=56
